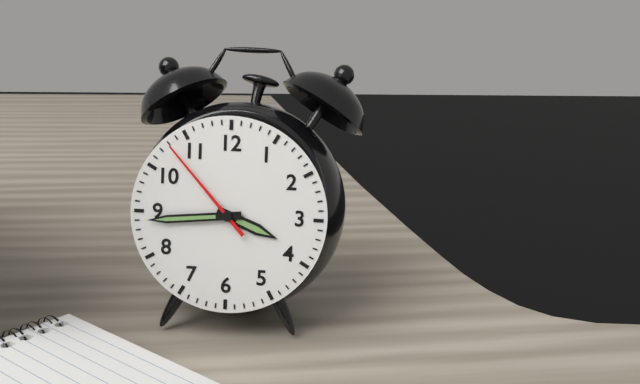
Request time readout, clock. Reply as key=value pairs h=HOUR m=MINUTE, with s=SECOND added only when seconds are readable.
h=3 m=44 s=53
